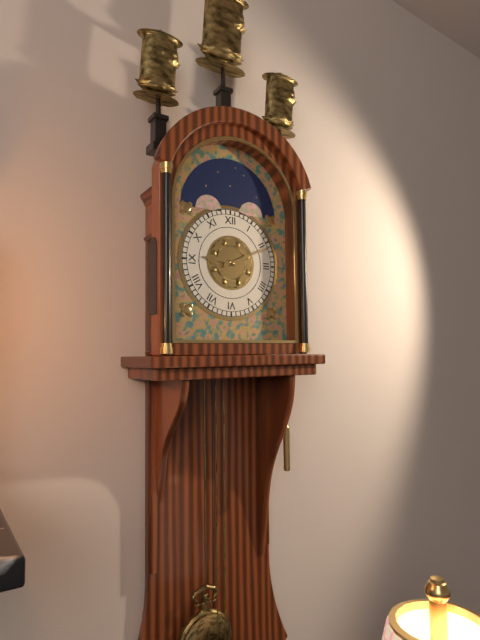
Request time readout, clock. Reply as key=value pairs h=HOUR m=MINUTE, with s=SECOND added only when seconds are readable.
h=9 m=11
